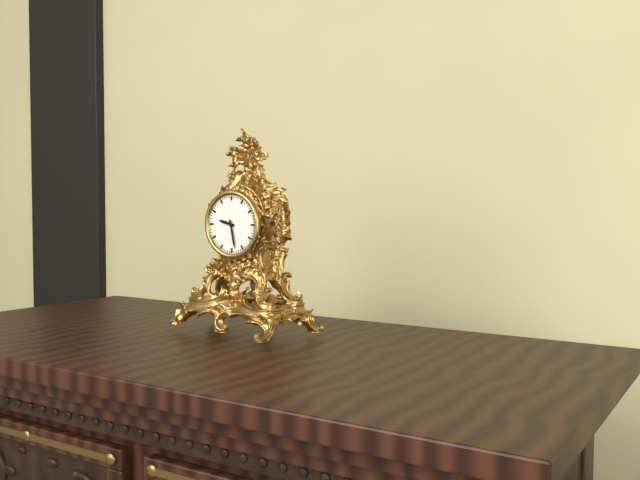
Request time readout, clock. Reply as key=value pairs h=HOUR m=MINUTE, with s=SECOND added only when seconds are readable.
h=9 m=28
